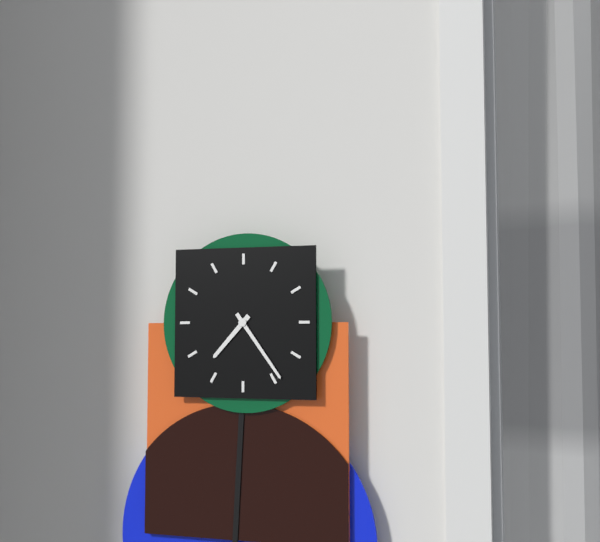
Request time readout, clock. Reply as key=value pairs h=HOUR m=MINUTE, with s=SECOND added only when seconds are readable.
h=7 m=24
